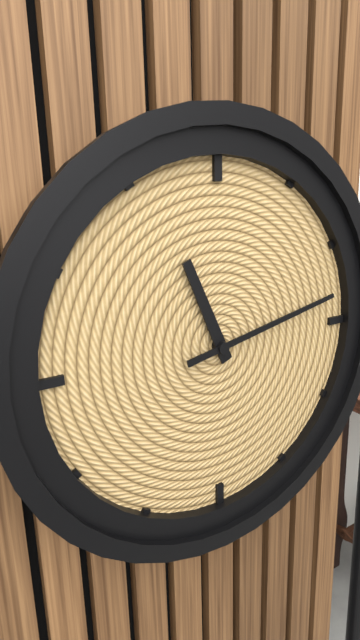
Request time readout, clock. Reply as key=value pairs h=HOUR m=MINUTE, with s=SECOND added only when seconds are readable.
h=11 m=13
